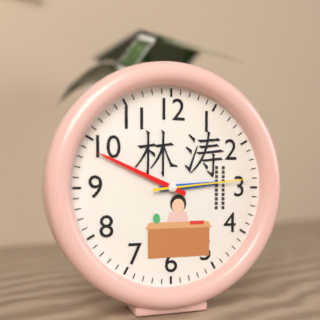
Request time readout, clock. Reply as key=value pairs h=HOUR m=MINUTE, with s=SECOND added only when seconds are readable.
h=2 m=49 s=14
